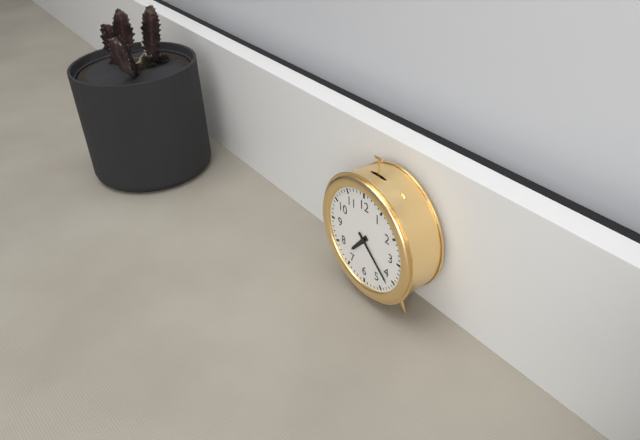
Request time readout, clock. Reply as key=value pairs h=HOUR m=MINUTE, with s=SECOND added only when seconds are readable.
h=7 m=22
